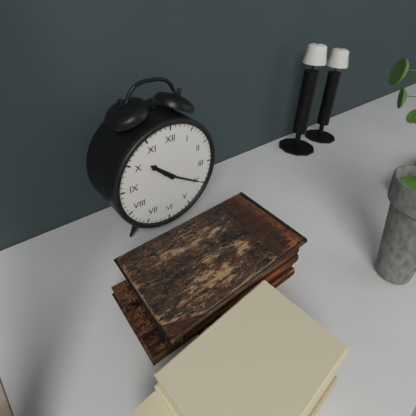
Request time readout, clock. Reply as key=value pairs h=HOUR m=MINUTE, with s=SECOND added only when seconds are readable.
h=10 m=20
